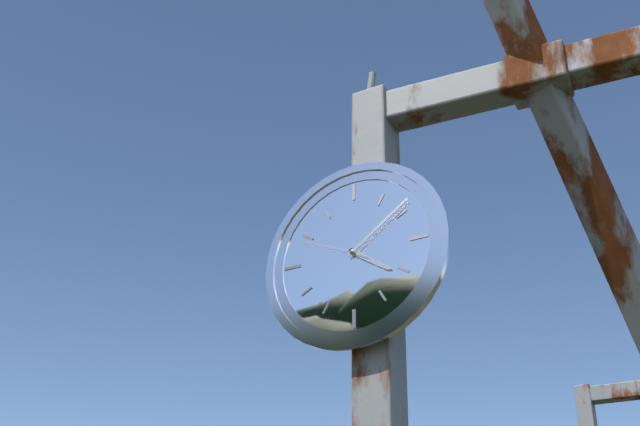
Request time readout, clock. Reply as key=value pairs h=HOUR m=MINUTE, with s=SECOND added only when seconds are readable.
h=4 m=9 s=49
